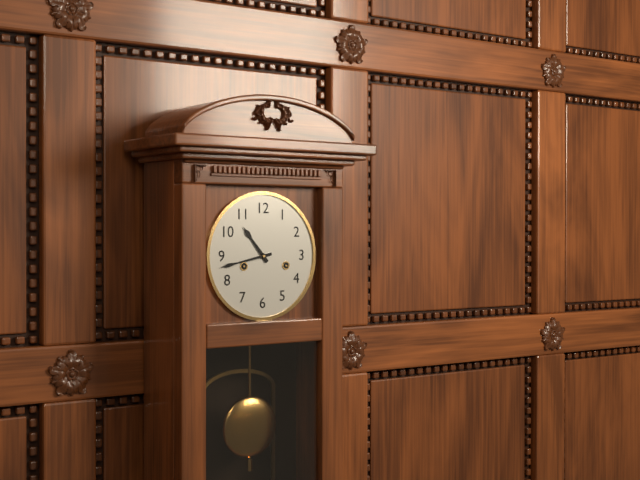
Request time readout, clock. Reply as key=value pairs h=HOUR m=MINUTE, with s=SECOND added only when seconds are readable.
h=10 m=43
